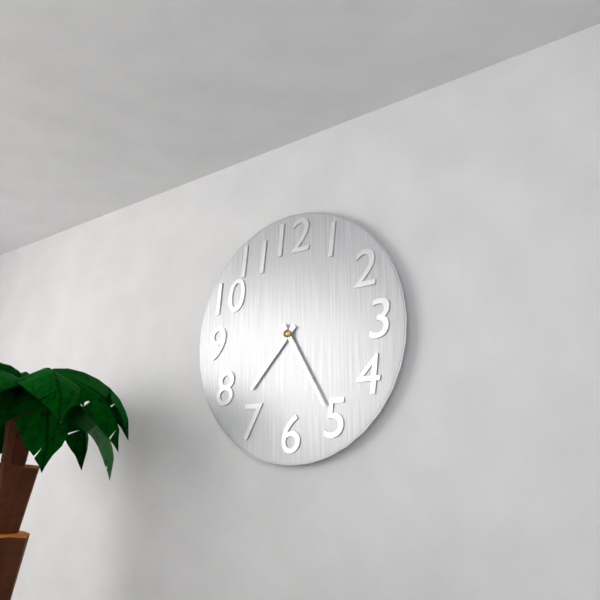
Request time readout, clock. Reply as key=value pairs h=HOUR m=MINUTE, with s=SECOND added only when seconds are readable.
h=7 m=25
